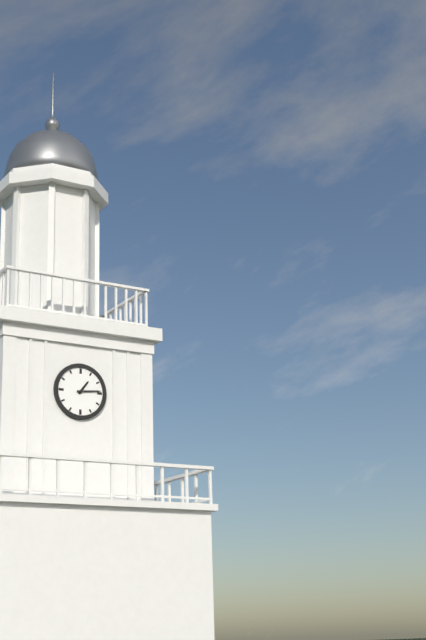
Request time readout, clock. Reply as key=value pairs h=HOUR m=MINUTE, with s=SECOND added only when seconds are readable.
h=1 m=14
